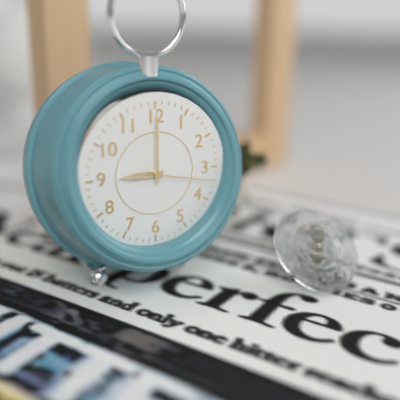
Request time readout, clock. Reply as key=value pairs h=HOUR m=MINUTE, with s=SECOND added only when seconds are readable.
h=9 m=0 s=17
